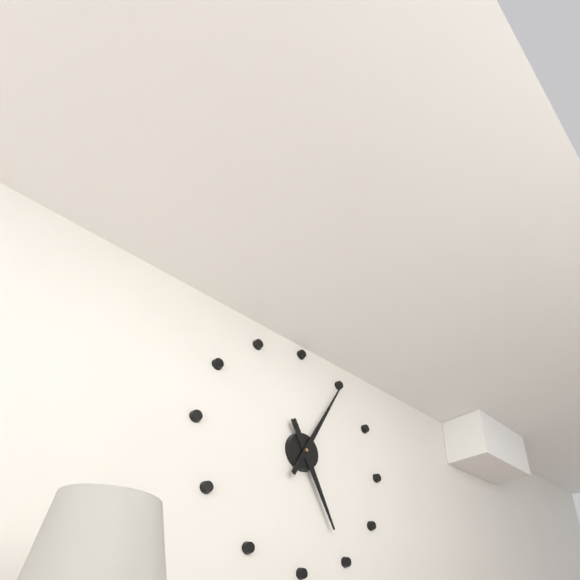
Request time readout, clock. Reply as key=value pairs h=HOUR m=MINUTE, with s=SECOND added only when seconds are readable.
h=5 m=5
